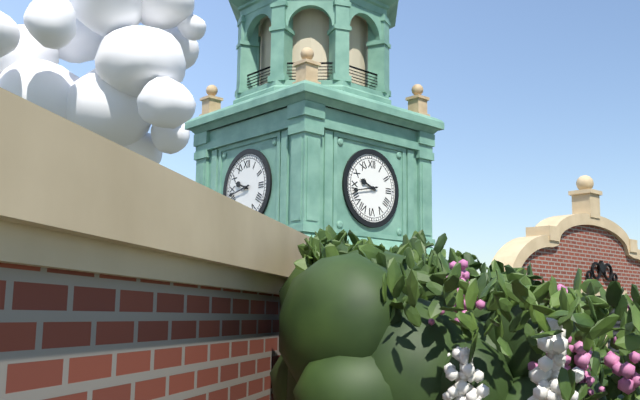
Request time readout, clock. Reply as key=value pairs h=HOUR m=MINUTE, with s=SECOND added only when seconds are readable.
h=9 m=43
